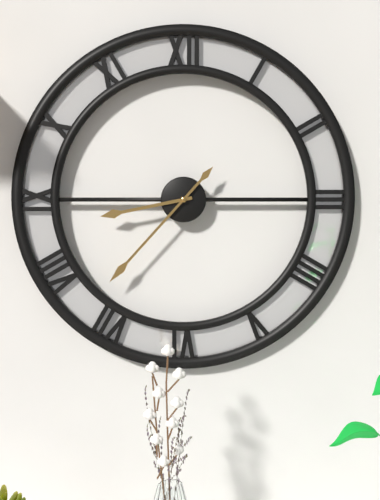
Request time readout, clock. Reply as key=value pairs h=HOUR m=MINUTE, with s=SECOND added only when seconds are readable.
h=8 m=37
